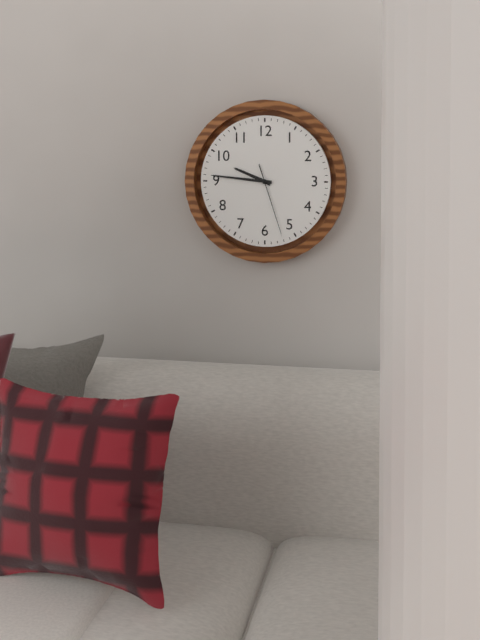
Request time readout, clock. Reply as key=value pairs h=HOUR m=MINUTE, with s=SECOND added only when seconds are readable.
h=9 m=46 s=27
